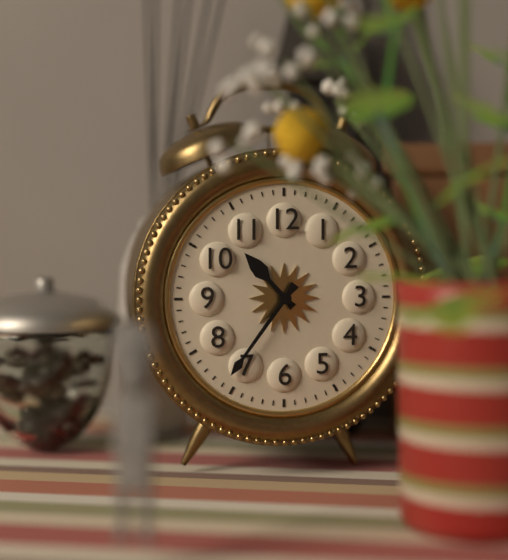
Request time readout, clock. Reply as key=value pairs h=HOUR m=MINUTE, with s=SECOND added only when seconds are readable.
h=10 m=36
